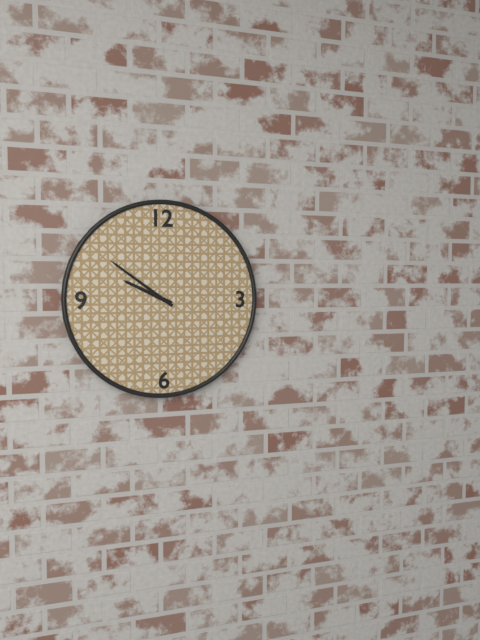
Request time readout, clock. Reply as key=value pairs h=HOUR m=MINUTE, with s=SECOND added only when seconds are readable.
h=9 m=51
